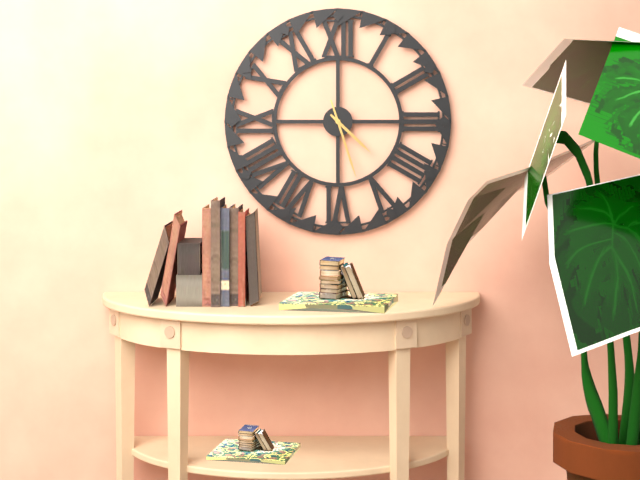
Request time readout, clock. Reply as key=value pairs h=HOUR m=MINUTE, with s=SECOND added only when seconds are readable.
h=4 m=27
